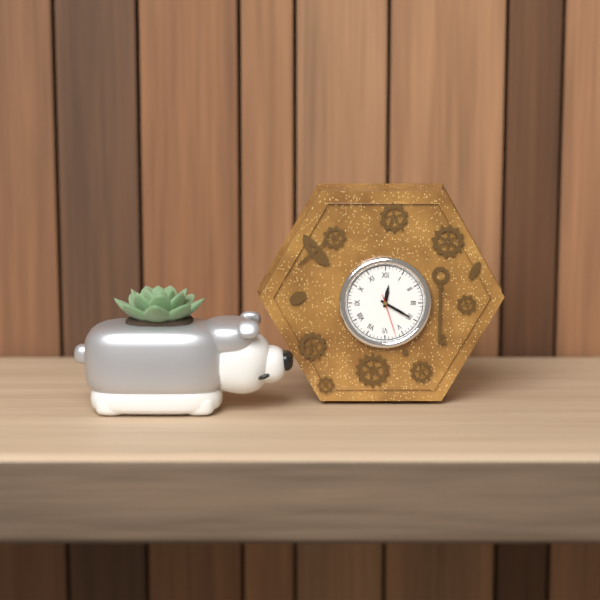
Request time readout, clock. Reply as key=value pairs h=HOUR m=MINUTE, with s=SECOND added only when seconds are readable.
h=12 m=20
